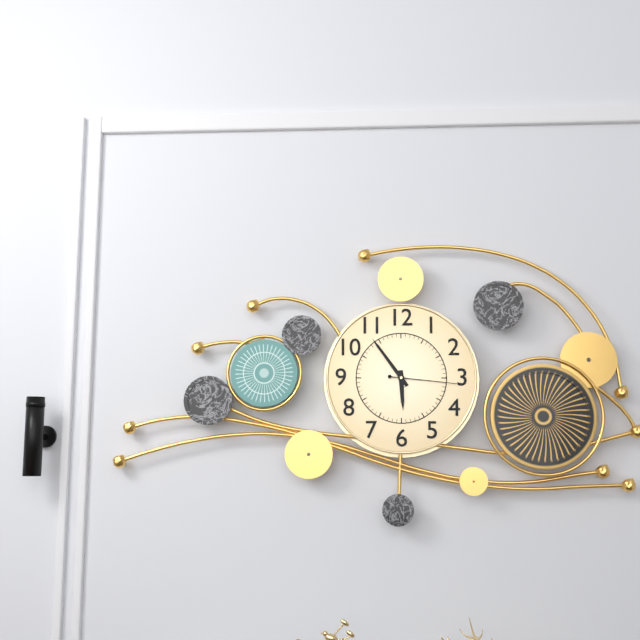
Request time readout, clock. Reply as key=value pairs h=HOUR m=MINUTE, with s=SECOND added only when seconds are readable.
h=5 m=54 s=16
